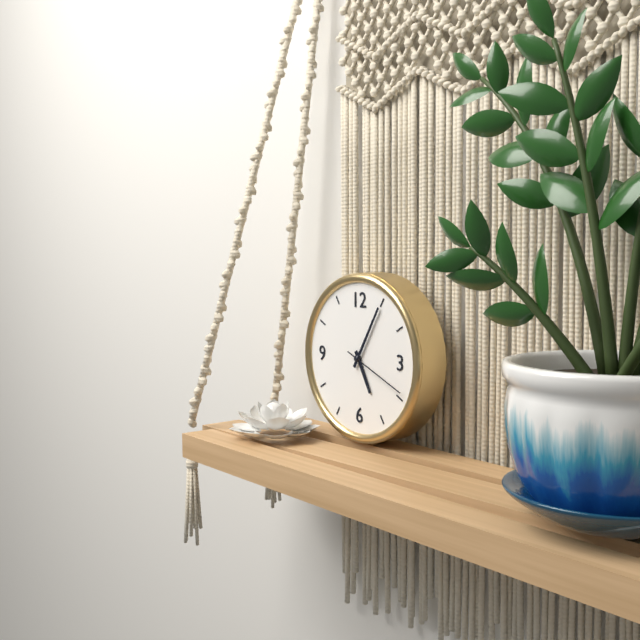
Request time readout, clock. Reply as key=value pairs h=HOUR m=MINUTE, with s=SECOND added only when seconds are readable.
h=5 m=5 s=19
